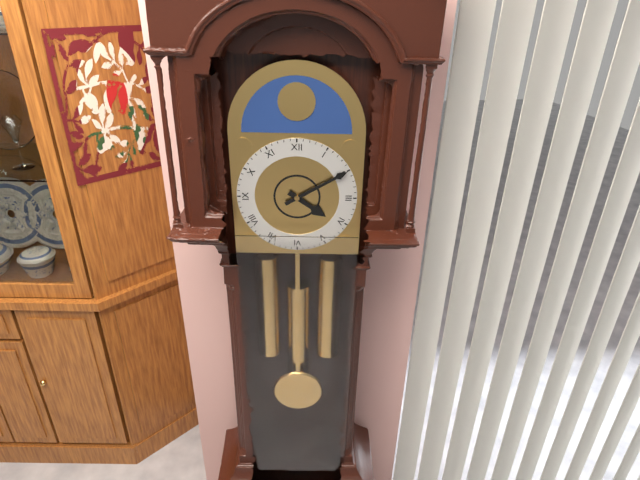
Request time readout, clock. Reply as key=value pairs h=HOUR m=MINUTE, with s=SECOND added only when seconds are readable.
h=4 m=10
